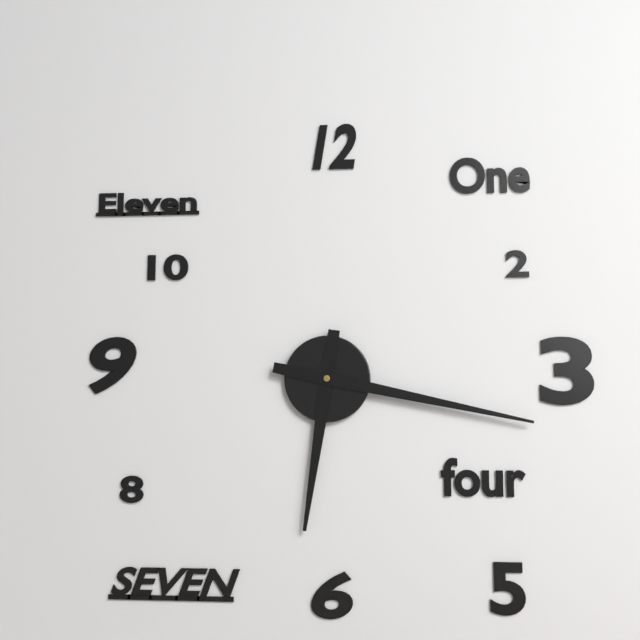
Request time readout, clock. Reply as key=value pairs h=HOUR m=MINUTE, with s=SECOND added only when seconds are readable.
h=6 m=17
